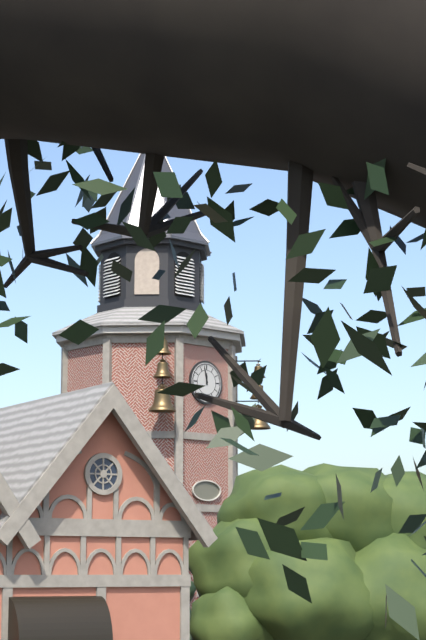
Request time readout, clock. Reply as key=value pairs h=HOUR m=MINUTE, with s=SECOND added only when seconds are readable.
h=11 m=58
